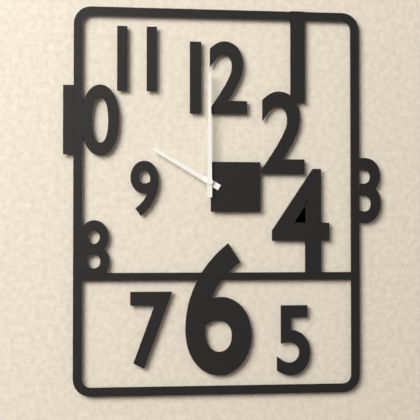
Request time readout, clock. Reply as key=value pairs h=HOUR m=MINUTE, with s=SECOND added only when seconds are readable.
h=10 m=0
